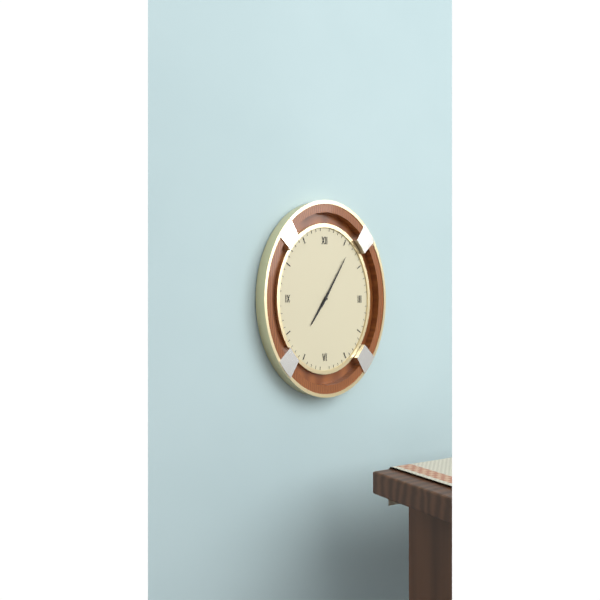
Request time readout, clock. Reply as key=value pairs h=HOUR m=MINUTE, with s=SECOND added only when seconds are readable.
h=7 m=5
